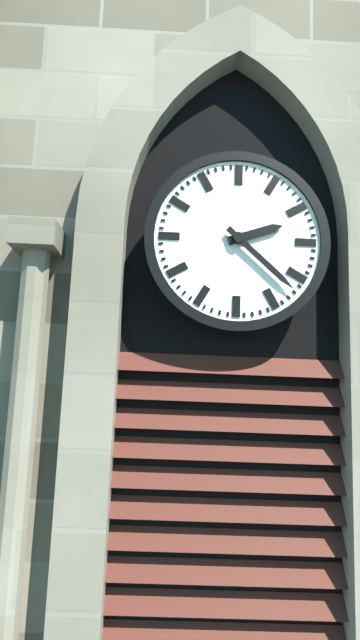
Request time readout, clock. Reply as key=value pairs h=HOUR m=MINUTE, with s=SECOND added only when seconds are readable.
h=2 m=22
